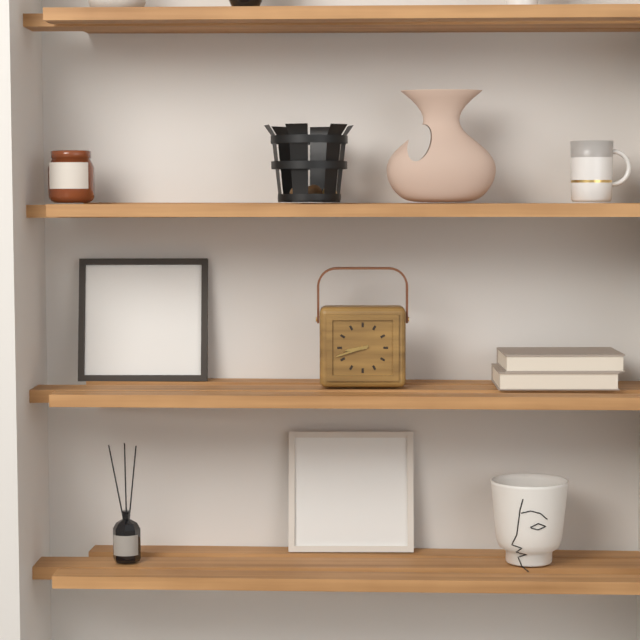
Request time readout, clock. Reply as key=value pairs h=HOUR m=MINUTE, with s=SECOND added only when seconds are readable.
h=8 m=42
